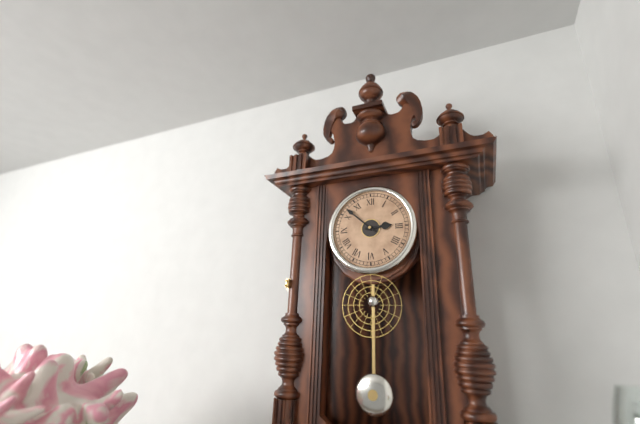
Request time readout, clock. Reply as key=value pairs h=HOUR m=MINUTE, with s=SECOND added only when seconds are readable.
h=2 m=52
